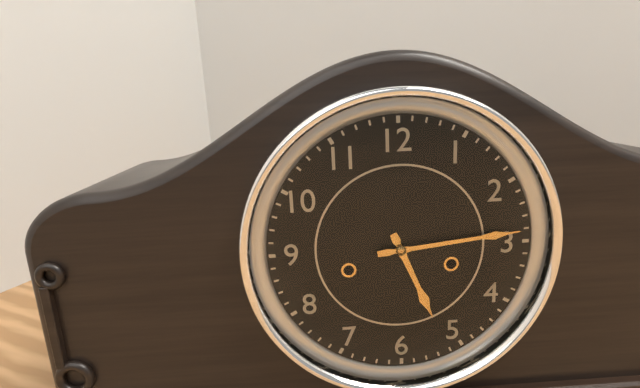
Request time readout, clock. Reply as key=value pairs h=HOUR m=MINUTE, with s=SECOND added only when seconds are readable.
h=5 m=14
